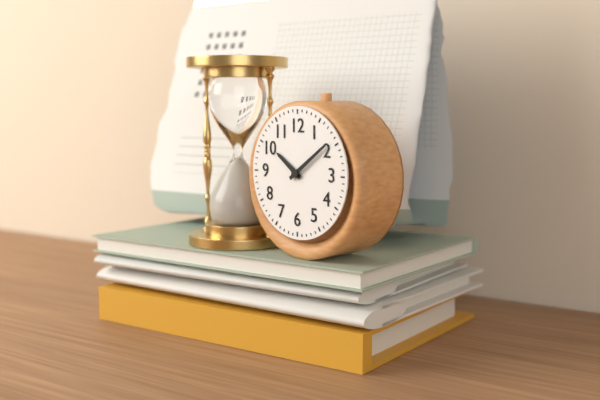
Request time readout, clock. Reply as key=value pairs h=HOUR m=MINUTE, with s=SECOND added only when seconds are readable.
h=10 m=9
